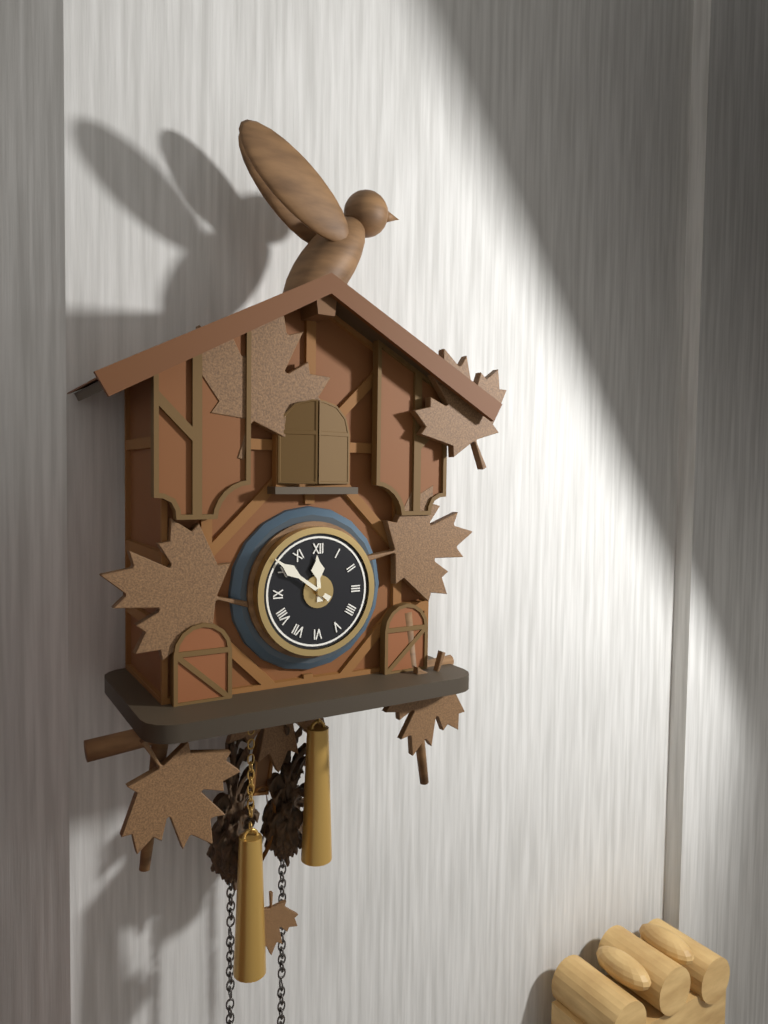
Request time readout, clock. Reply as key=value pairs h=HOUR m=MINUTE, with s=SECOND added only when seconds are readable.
h=11 m=51
